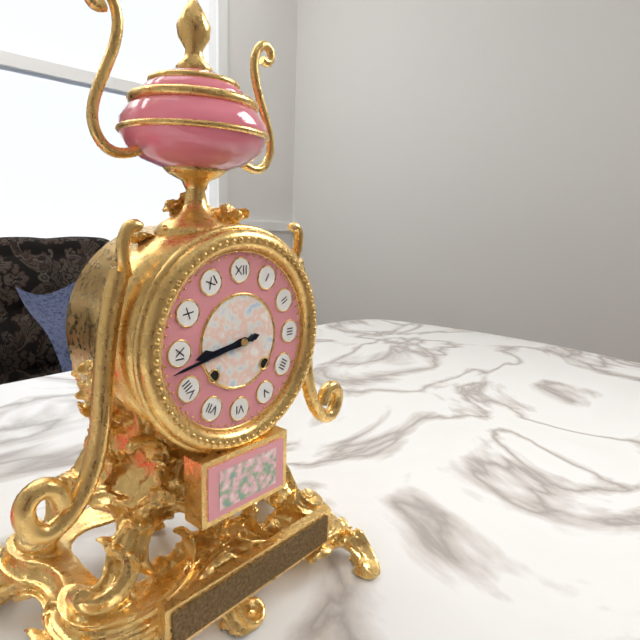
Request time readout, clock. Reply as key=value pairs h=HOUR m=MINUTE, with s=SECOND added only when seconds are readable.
h=8 m=43
